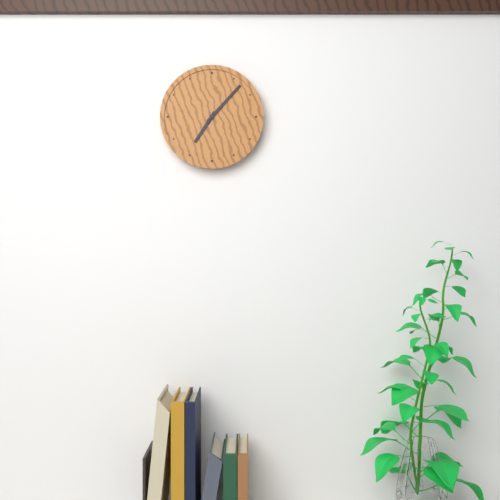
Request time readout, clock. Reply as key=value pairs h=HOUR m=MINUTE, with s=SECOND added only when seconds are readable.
h=7 m=7
